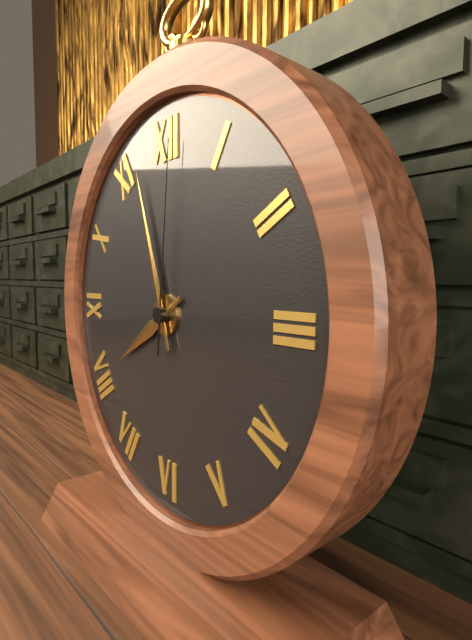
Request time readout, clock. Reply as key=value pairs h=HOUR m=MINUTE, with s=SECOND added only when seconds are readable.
h=7 m=57 s=1
